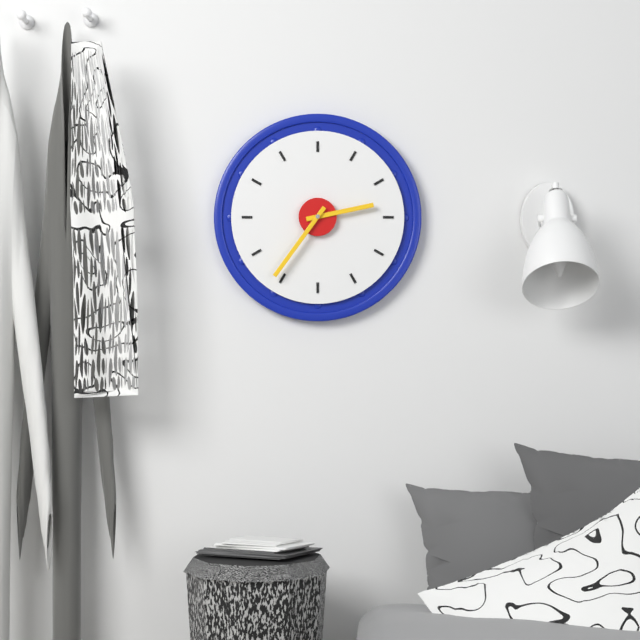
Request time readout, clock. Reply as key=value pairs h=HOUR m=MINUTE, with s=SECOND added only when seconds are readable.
h=2 m=36
